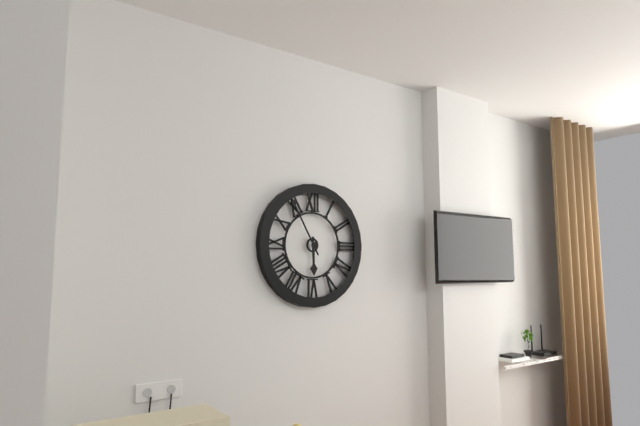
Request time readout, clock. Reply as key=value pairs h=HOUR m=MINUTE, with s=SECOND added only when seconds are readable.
h=5 m=55
